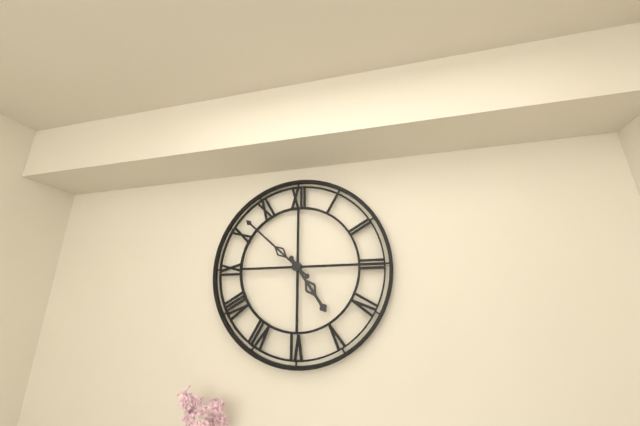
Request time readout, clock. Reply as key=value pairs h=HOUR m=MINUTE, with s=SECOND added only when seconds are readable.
h=4 m=52
